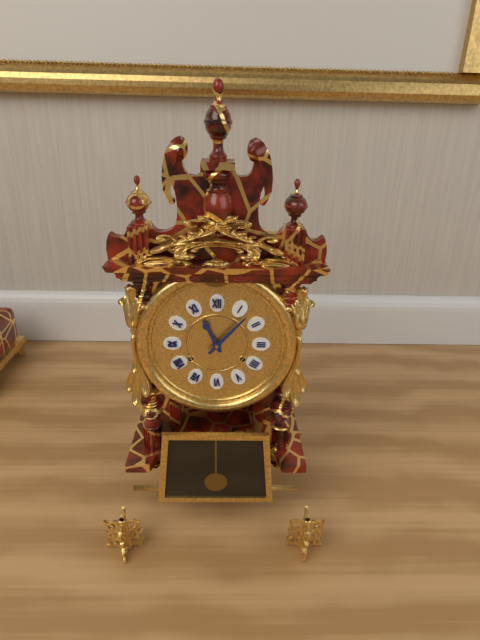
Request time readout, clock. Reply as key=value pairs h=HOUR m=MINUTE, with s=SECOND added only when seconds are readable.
h=11 m=7
